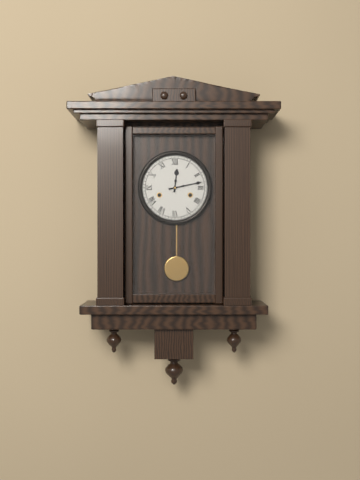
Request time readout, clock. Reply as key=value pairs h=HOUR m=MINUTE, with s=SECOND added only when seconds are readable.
h=12 m=13
